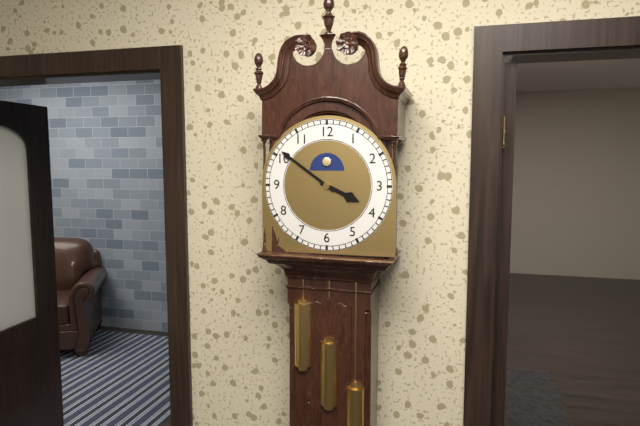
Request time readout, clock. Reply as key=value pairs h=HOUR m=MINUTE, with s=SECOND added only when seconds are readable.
h=3 m=51
